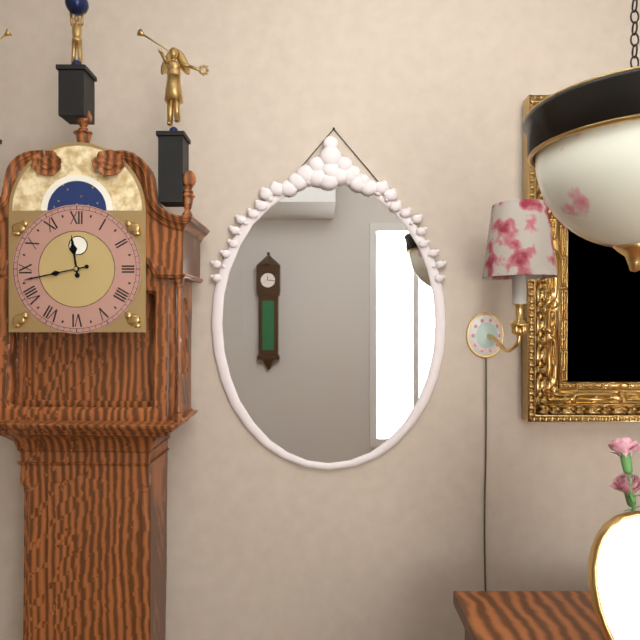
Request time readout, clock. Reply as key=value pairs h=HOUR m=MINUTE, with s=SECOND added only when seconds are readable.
h=11 m=43
